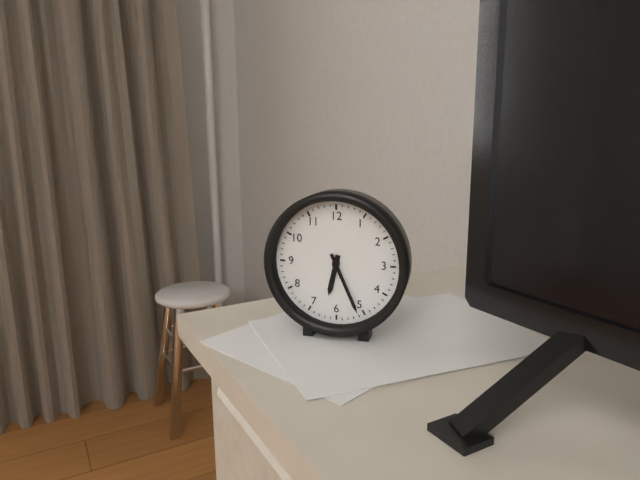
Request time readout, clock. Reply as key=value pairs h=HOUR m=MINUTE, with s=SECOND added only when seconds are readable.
h=6 m=26
